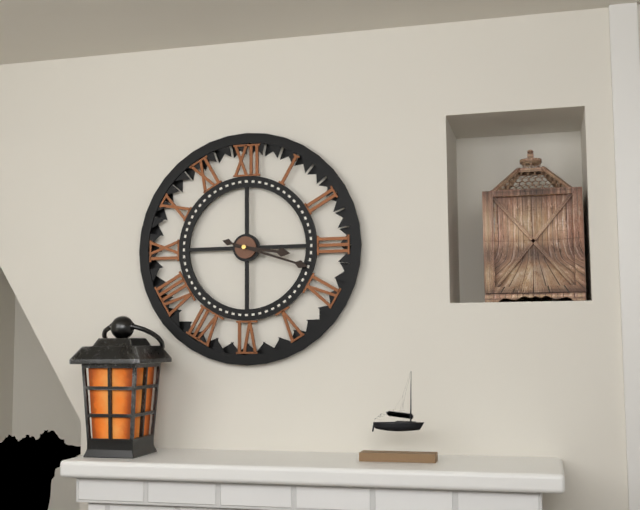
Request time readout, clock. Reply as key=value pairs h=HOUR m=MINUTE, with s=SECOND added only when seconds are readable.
h=3 m=18
